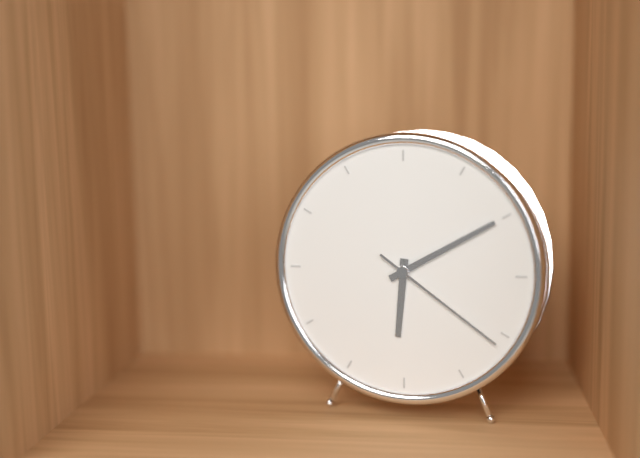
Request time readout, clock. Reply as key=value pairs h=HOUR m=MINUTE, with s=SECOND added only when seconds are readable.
h=6 m=10 s=21
